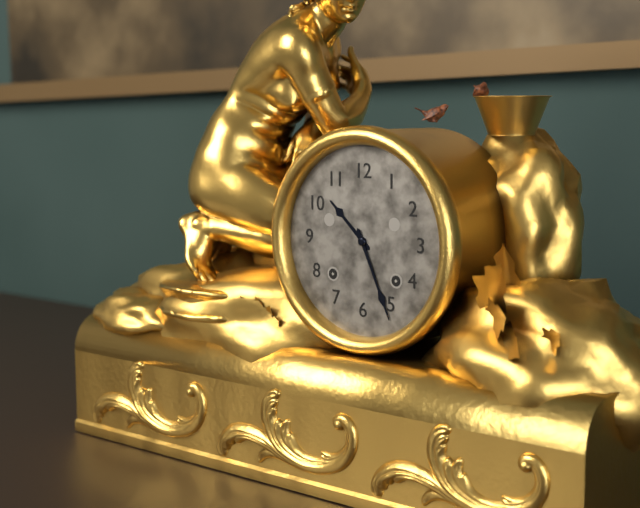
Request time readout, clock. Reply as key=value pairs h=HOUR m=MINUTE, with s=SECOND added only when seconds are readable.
h=10 m=26
